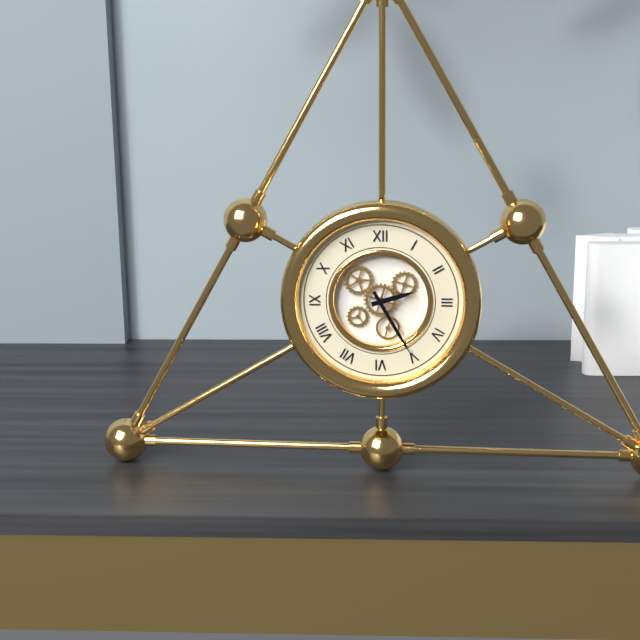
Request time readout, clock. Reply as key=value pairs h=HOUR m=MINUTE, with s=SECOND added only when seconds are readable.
h=2 m=25
